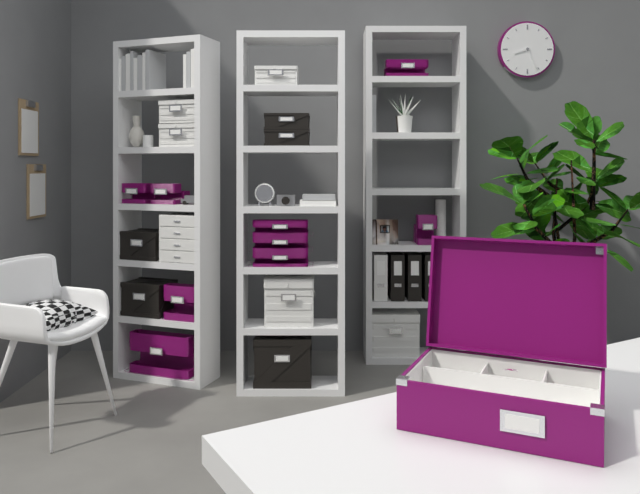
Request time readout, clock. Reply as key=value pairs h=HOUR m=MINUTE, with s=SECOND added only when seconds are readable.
h=8 m=26
